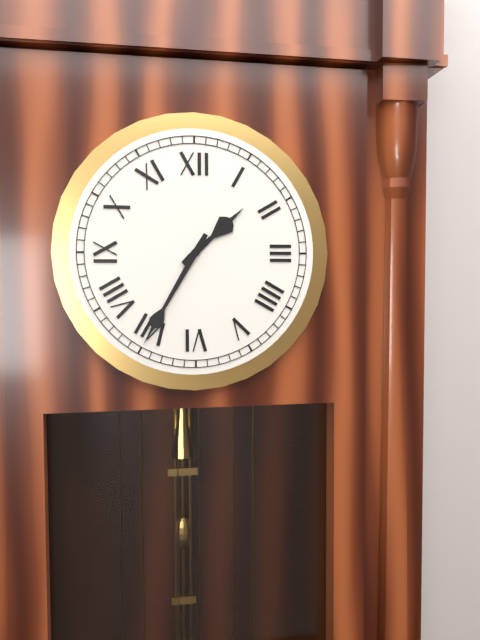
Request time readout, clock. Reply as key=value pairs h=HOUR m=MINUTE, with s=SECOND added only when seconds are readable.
h=1 m=35
